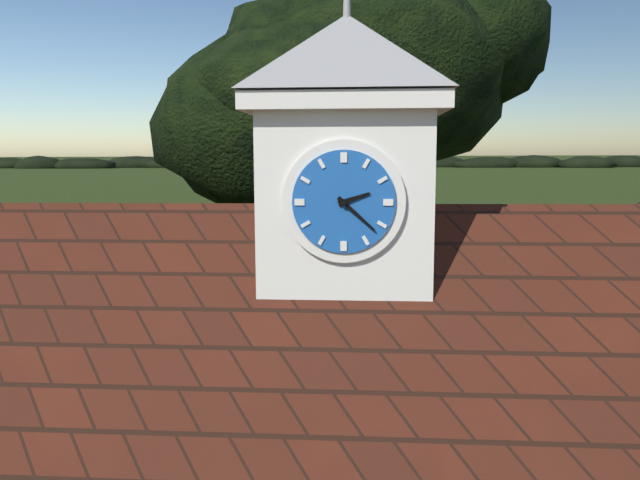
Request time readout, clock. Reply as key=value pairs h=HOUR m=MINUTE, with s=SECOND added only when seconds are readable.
h=2 m=22
